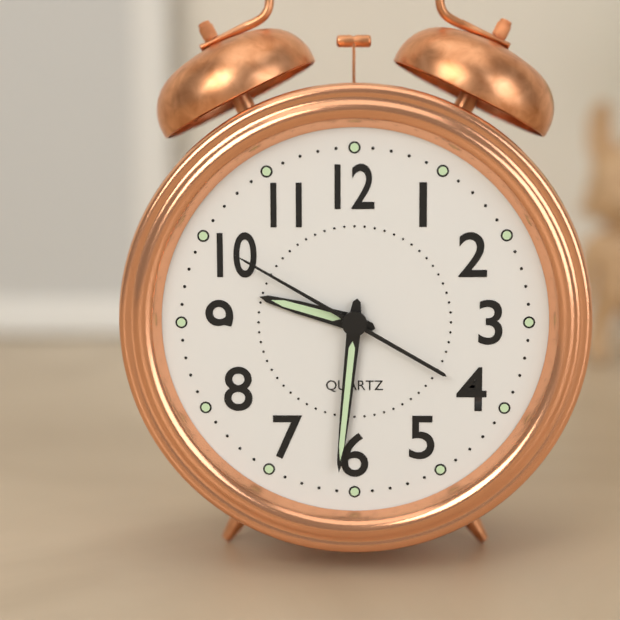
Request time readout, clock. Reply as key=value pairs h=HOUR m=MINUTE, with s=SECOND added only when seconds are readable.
h=9 m=31 s=50
